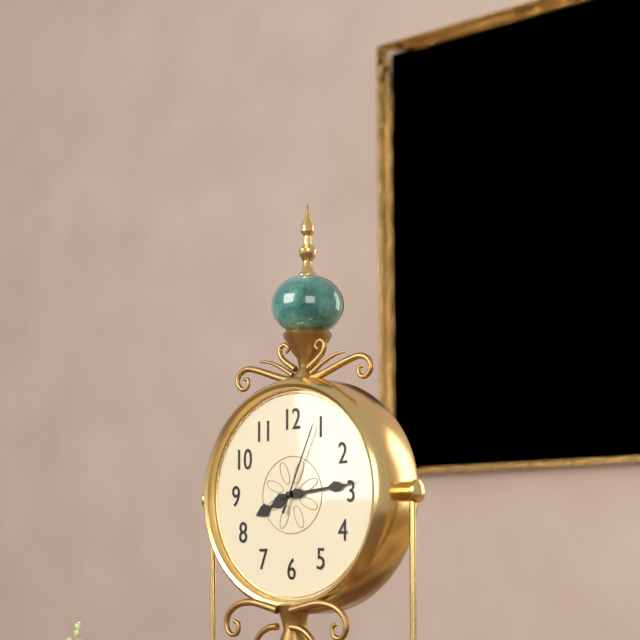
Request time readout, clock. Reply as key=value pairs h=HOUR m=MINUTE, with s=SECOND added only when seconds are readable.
h=8 m=14 s=4
